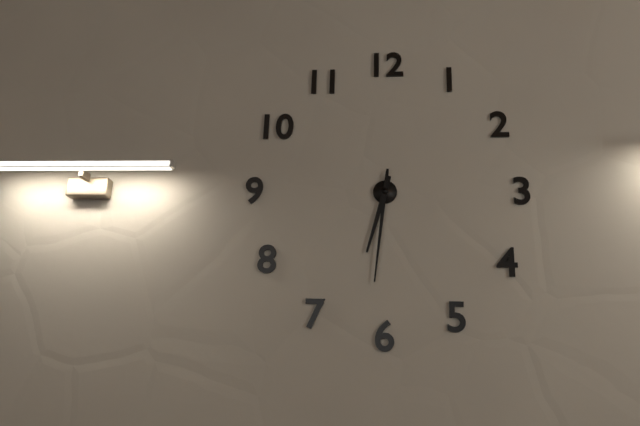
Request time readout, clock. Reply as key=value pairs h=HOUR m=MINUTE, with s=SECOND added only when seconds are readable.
h=6 m=31
